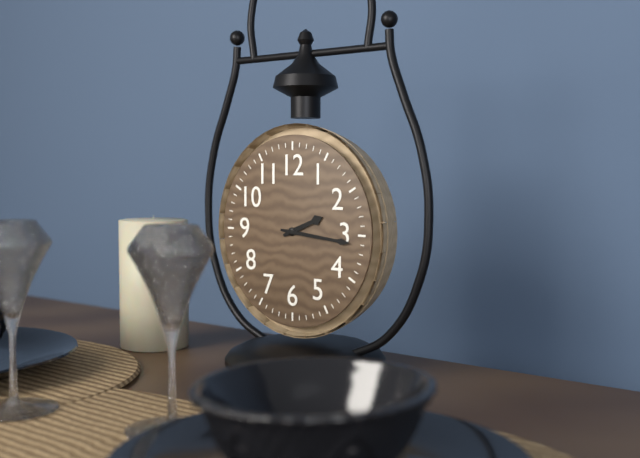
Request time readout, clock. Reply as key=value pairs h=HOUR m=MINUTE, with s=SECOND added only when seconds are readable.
h=2 m=16
